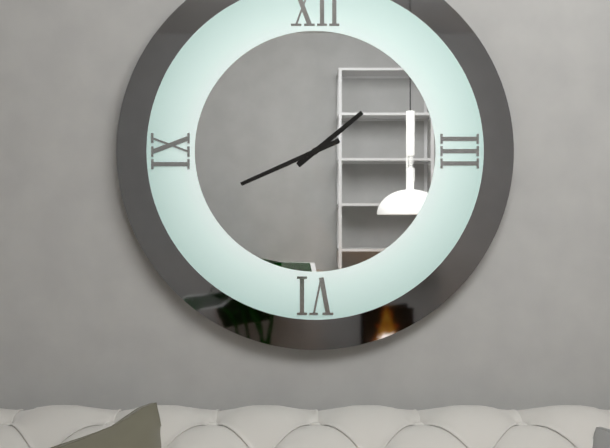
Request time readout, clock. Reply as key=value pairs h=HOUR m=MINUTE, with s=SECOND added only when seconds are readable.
h=1 m=41
